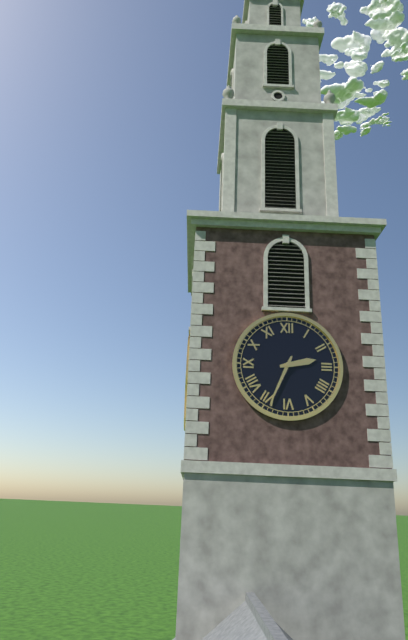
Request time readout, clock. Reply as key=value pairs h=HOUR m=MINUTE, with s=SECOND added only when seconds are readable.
h=2 m=34
